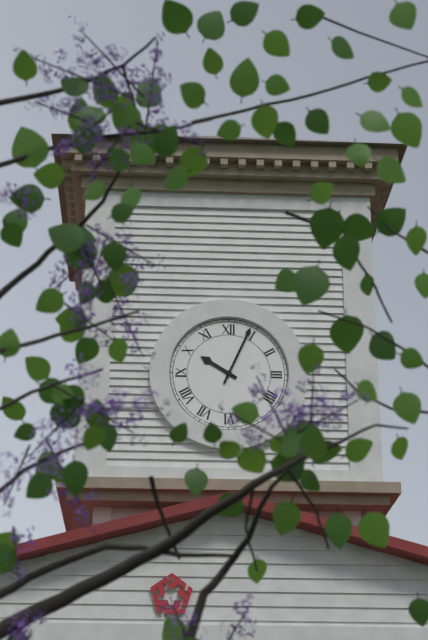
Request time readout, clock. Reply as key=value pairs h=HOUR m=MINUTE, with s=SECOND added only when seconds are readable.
h=10 m=4
